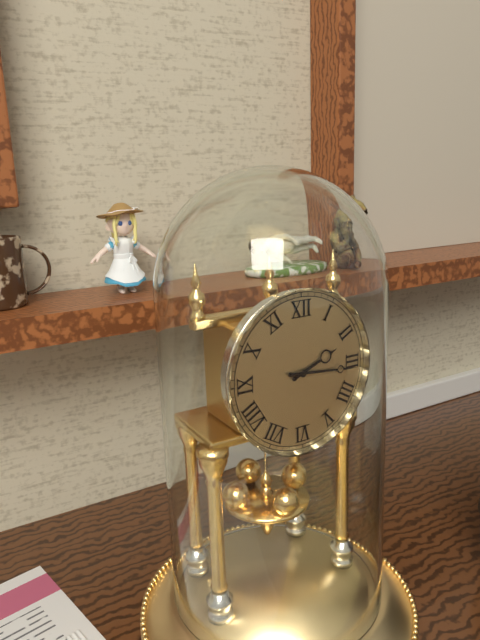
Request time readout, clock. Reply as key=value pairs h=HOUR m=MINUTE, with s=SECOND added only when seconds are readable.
h=2 m=16
